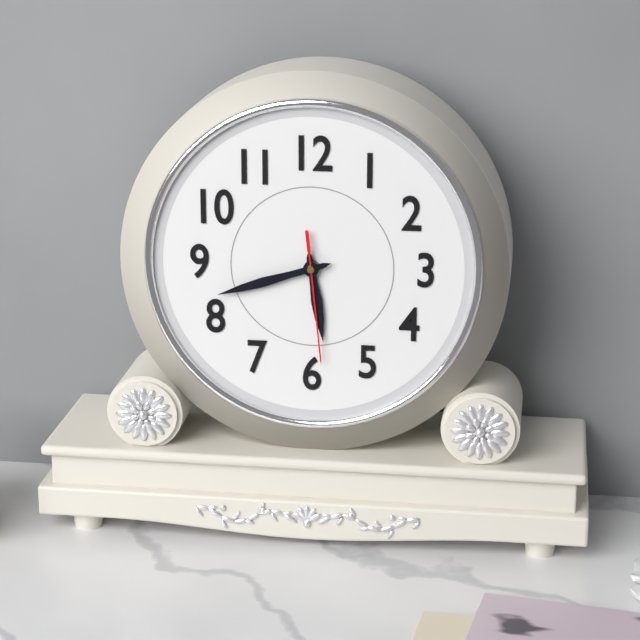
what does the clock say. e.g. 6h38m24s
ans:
5h42m29s
